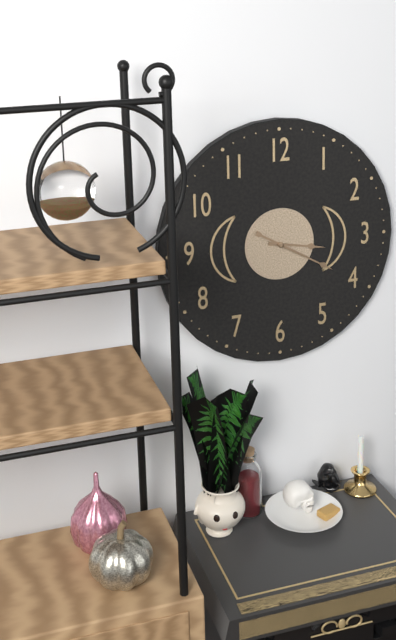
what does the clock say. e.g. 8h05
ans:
3h20
